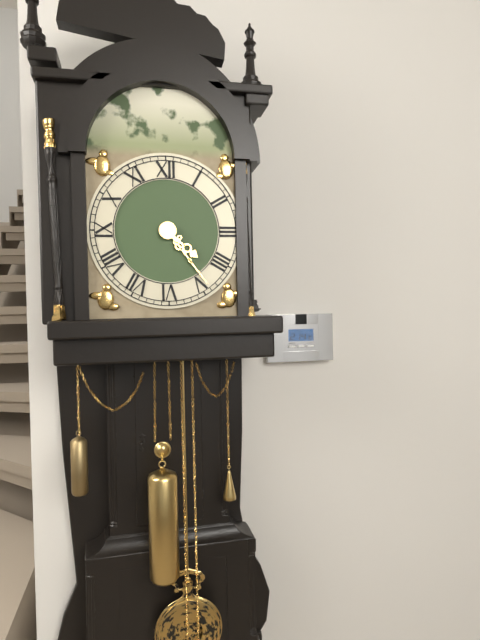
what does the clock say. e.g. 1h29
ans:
4h24
